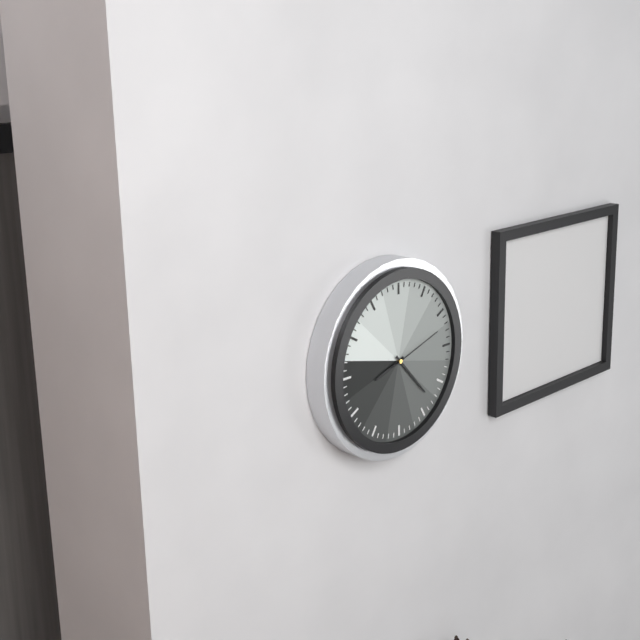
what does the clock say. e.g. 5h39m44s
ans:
8h23m12s
